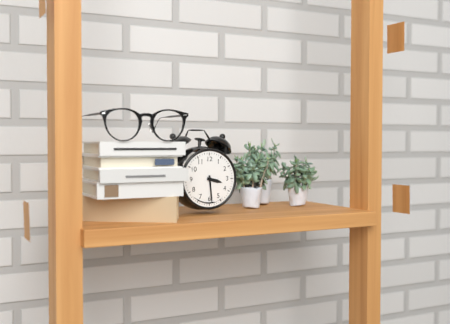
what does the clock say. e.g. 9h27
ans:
3h29
